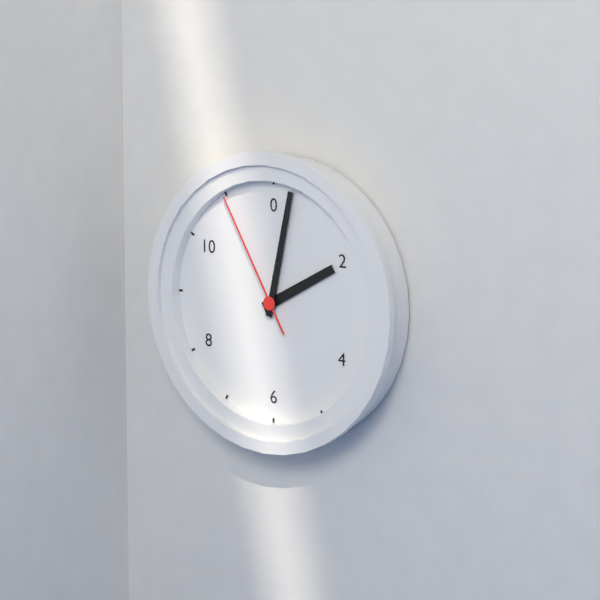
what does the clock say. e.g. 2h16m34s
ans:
2h02m55s
